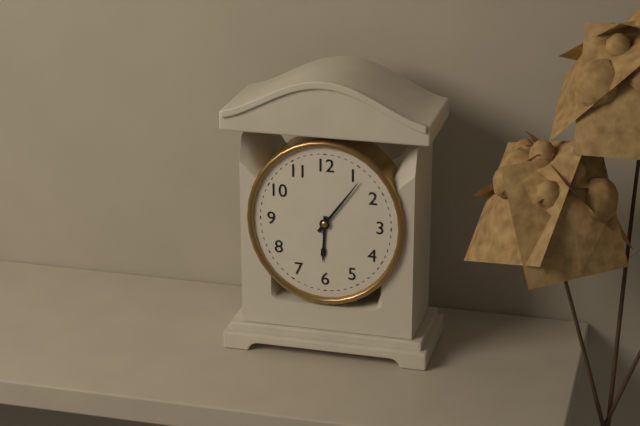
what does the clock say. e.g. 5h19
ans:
6h06
